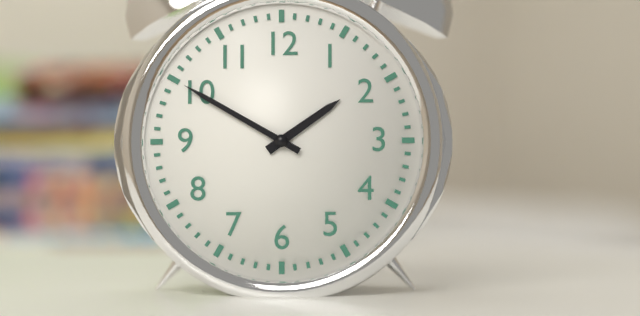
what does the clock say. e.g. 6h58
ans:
1h50
